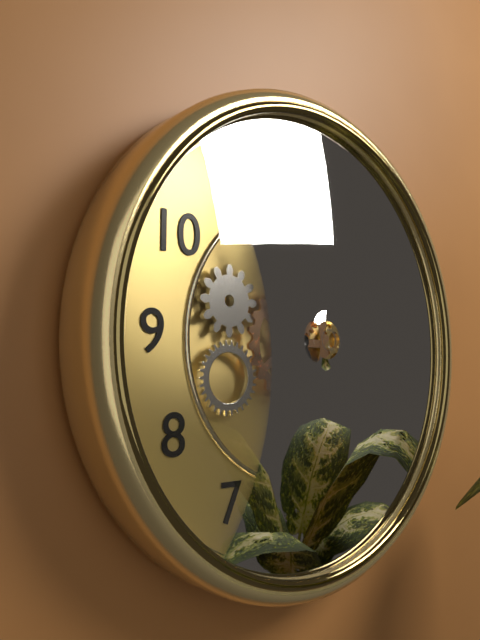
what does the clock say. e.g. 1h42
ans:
4h55
